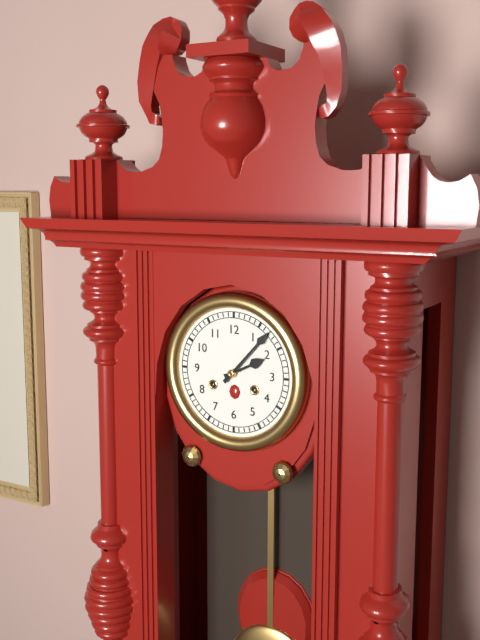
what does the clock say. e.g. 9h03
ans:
2h07
